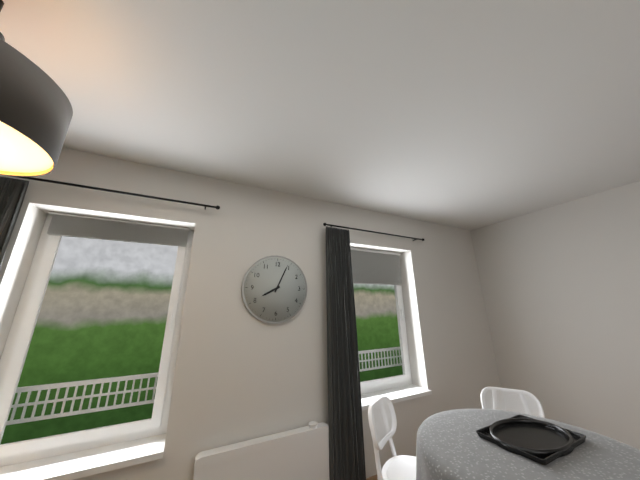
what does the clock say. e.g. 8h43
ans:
8h04
